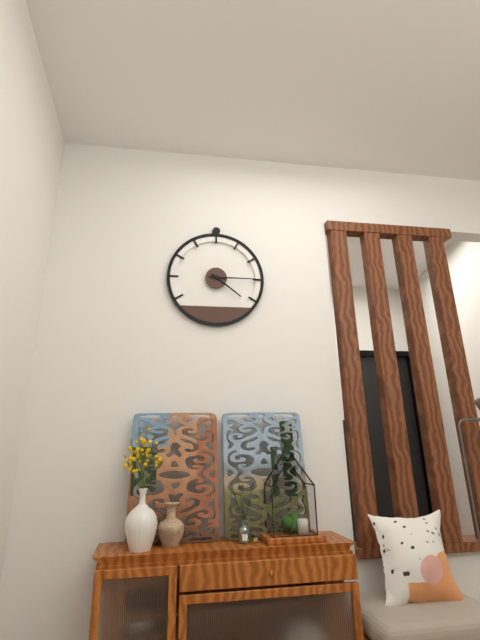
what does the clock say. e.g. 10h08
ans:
4h15
